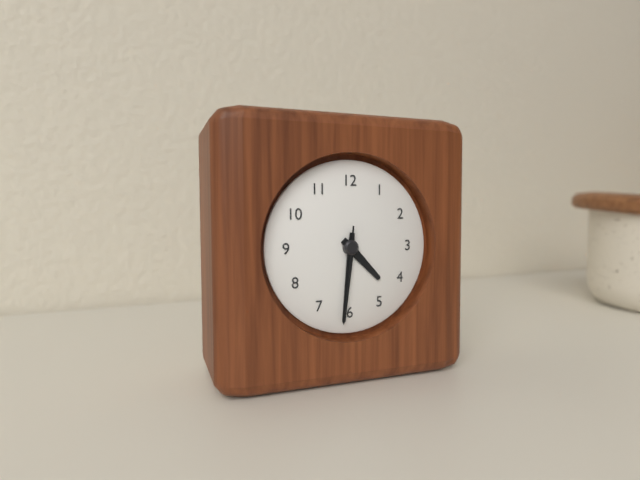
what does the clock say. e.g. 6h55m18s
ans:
4h31m31s
